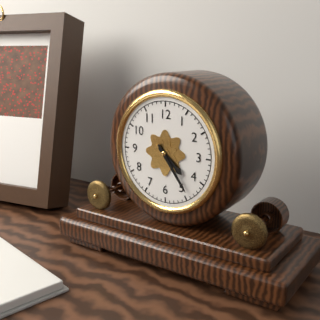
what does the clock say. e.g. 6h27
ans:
4h24
